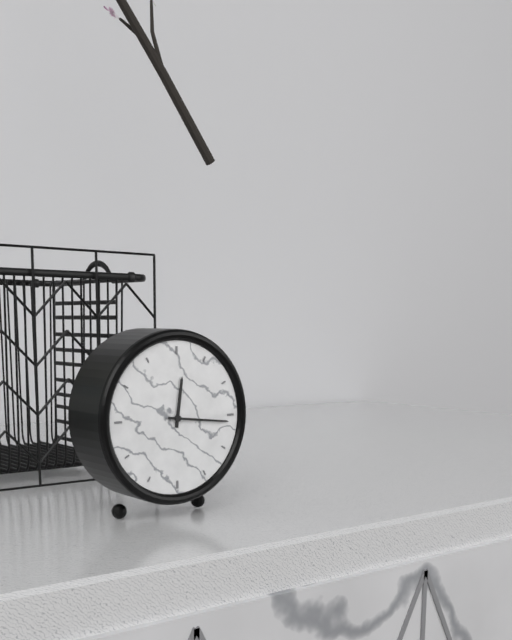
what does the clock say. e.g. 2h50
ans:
12h16
